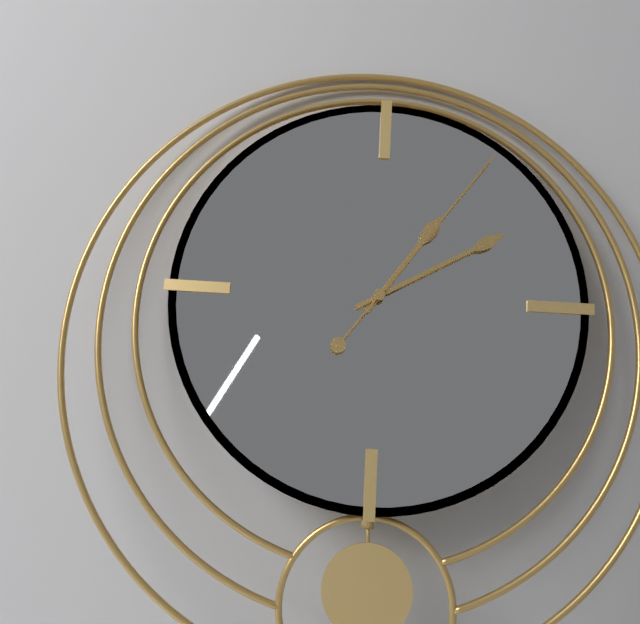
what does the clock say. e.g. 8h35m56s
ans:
1h10m06s
